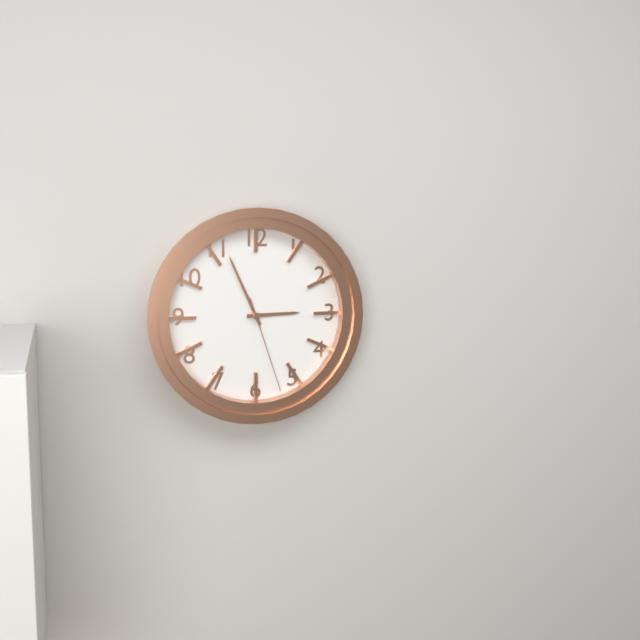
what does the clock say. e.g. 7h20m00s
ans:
2h56m27s
